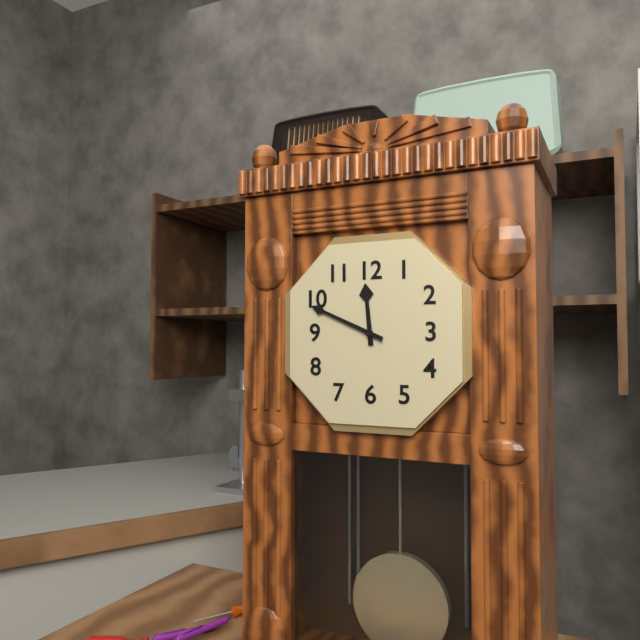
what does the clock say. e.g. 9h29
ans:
11h49
